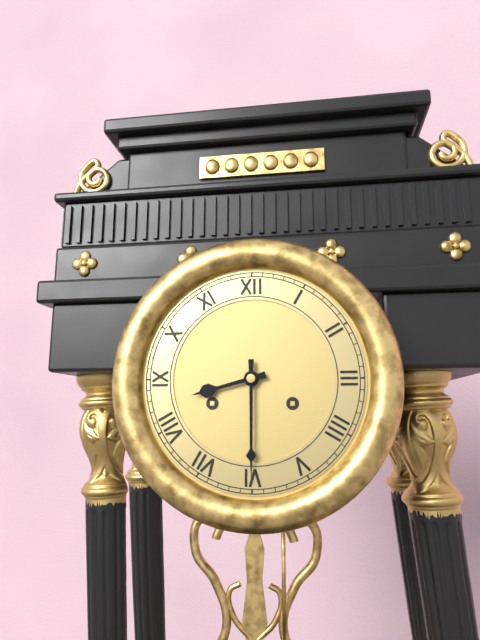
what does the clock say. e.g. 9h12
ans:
8h30
